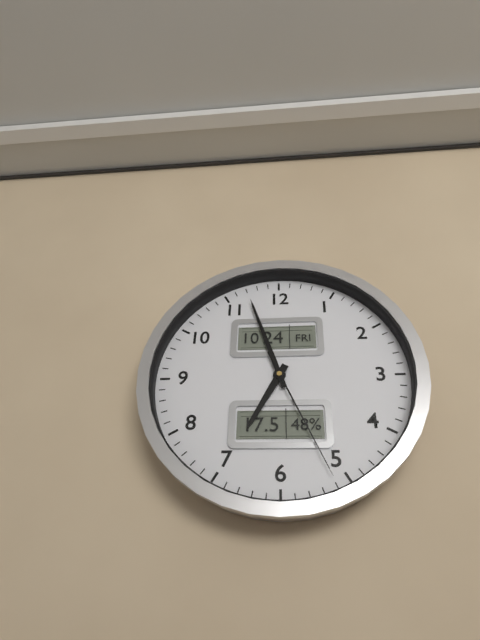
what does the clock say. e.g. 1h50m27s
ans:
6h57m26s
